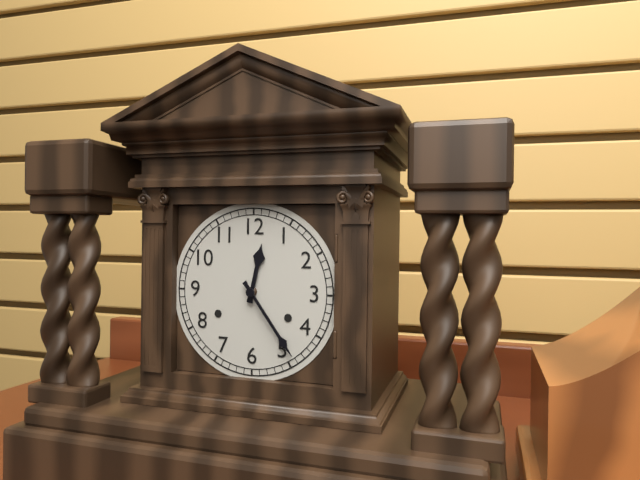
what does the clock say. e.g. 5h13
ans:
12h24
